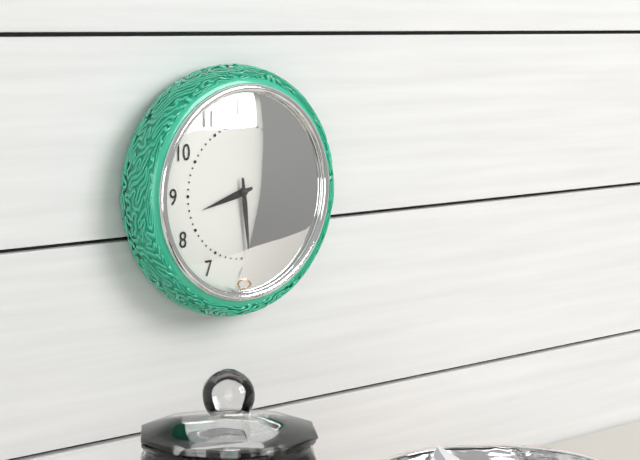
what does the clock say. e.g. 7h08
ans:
8h29
